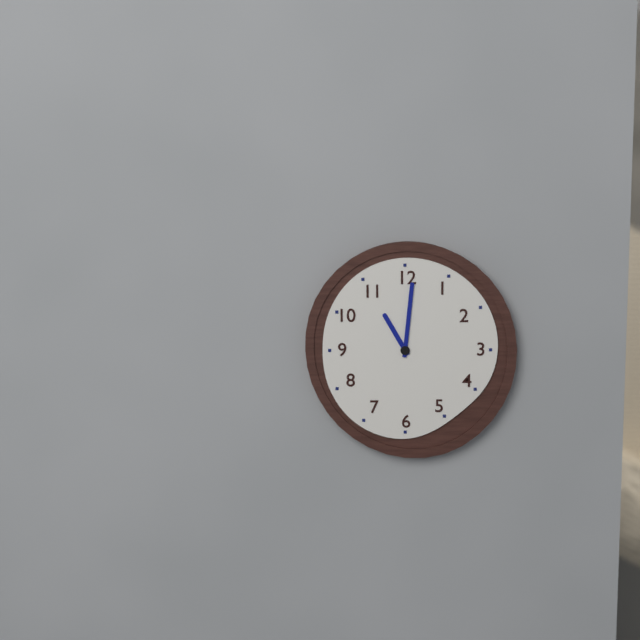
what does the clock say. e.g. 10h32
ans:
11h01
